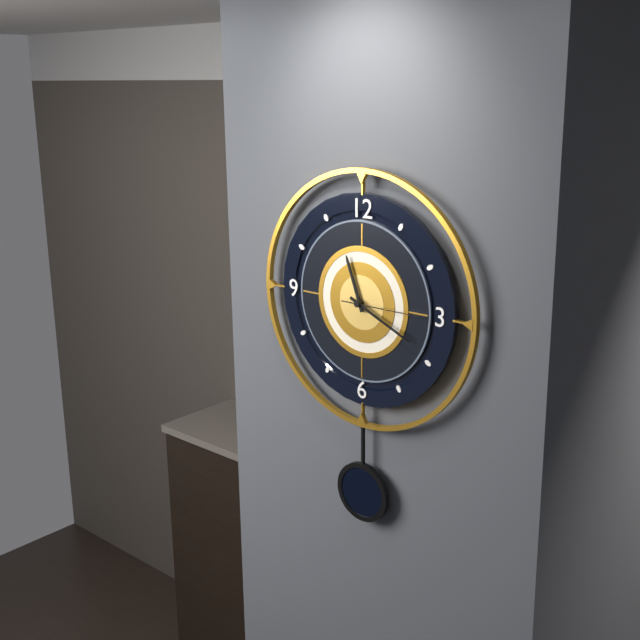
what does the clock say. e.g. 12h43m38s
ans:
11h19m15s
